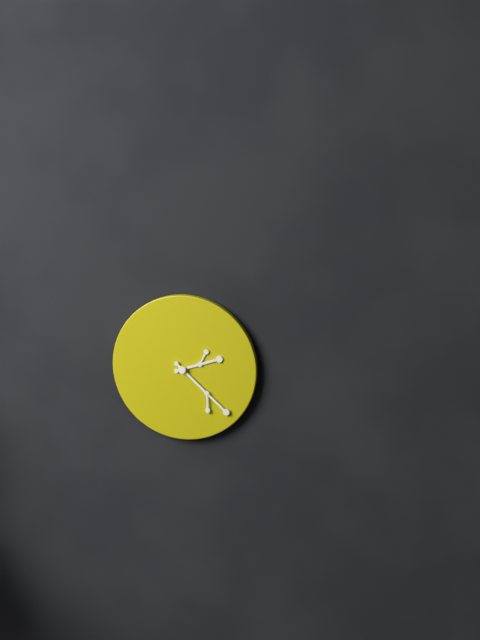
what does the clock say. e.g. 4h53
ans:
2h22
